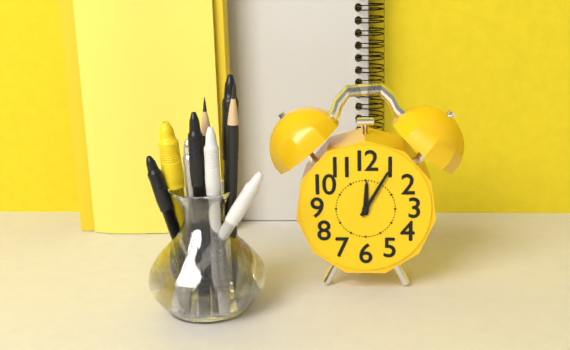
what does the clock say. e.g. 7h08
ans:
12h05
